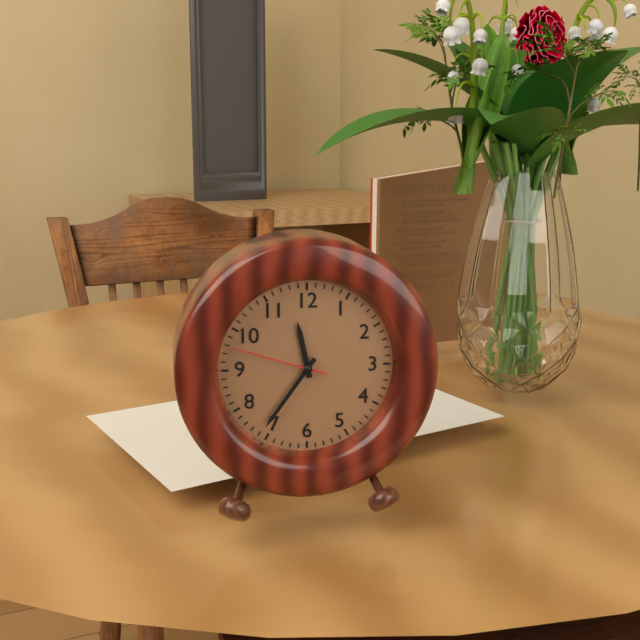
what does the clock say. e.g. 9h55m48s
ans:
11h36m48s
